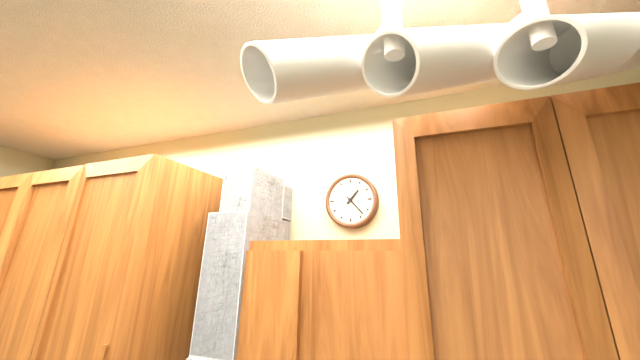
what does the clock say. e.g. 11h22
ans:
1h23
